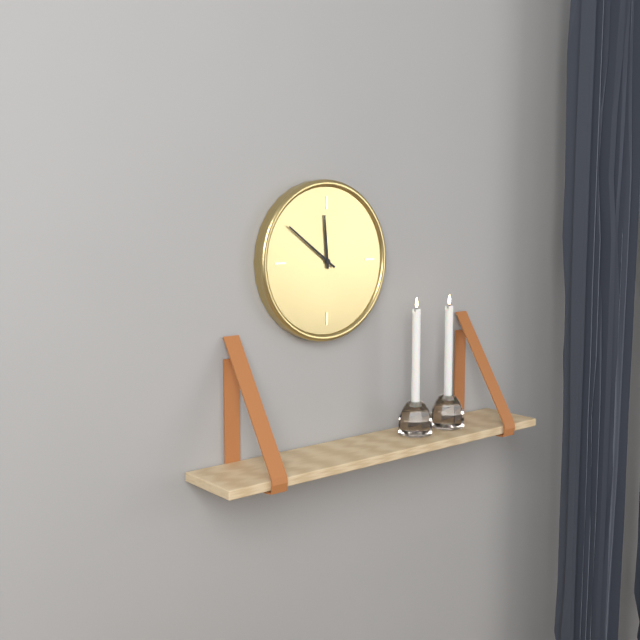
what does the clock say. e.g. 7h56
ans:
11h51
